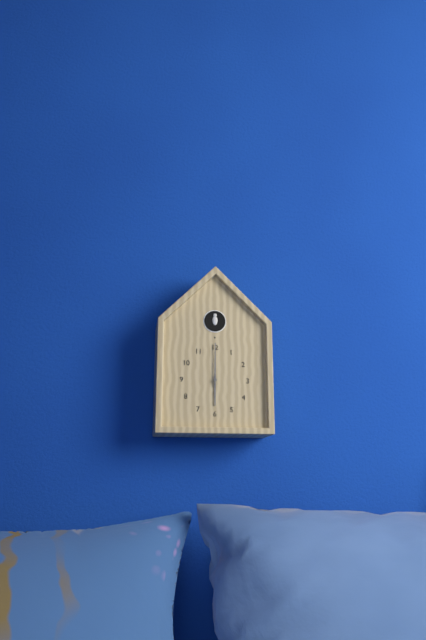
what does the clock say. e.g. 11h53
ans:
6h00
